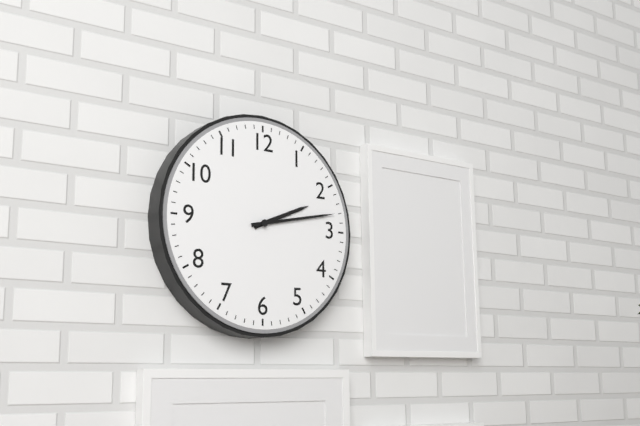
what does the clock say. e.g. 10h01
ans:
2h13
